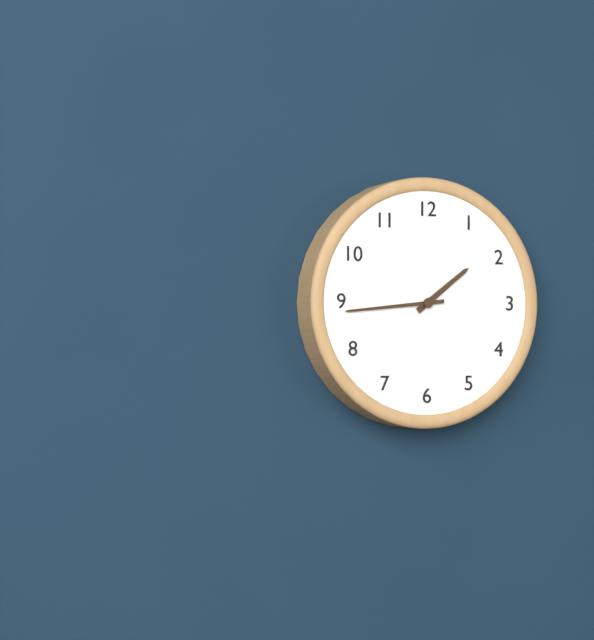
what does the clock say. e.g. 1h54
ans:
1h44
